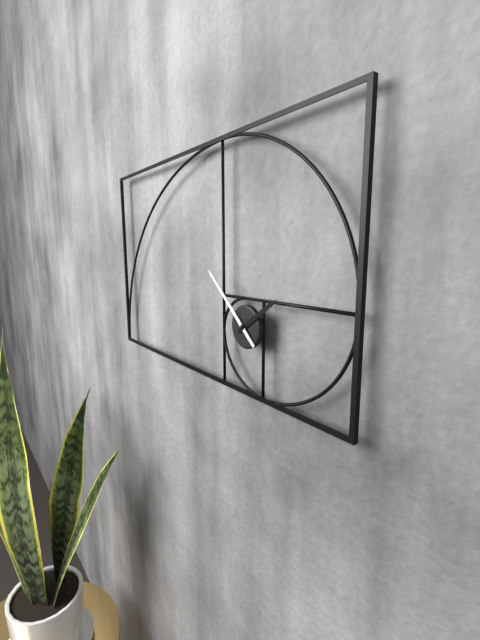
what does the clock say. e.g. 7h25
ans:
1h52
